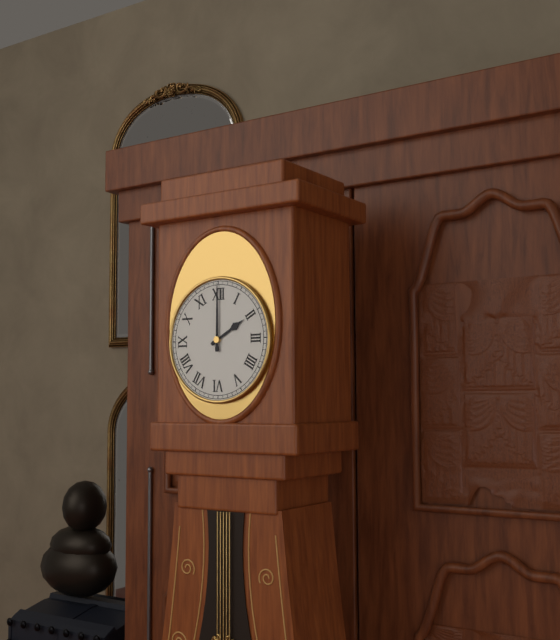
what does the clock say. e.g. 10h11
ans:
2h00
